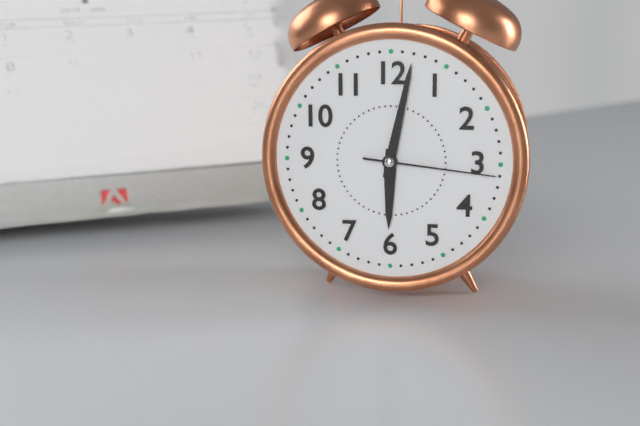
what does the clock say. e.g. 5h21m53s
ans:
6h02m16s
